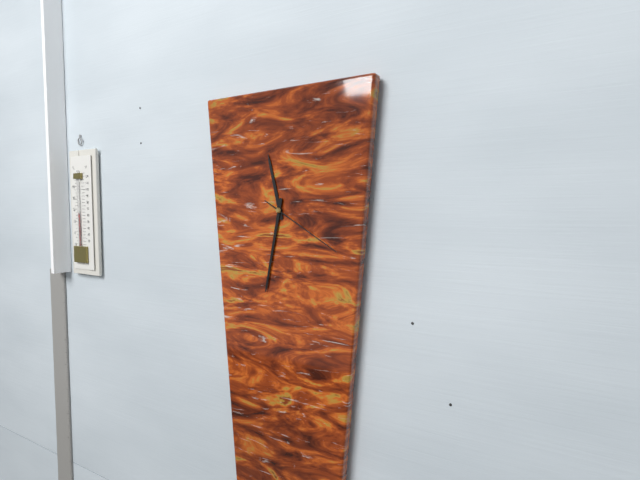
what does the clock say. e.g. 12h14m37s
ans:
11h32m20s
